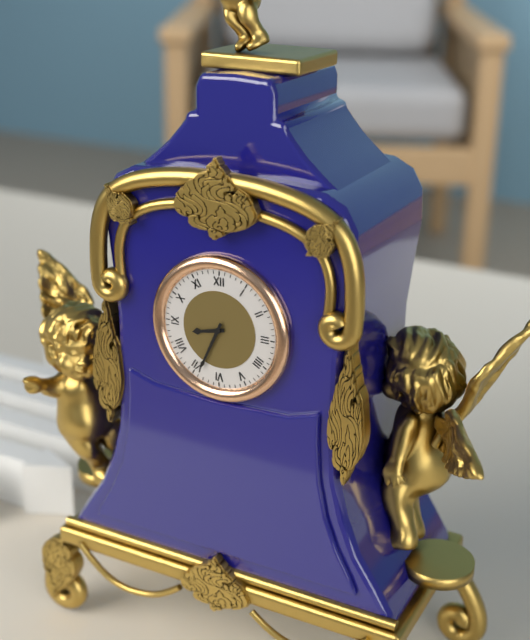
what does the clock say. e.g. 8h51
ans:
8h34
